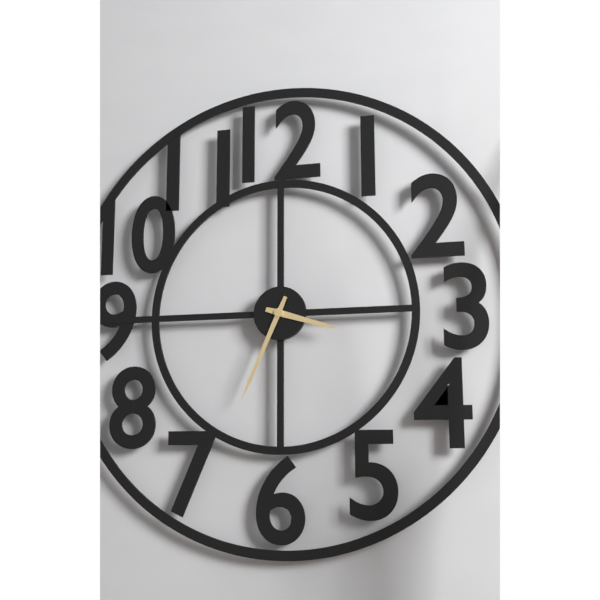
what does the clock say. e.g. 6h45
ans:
3h34
